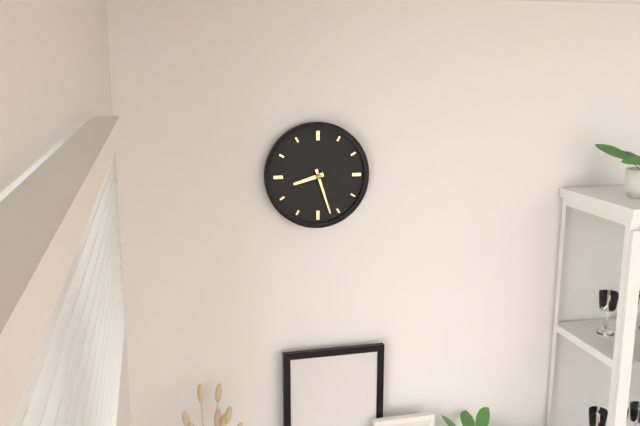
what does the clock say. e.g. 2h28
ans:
8h27
